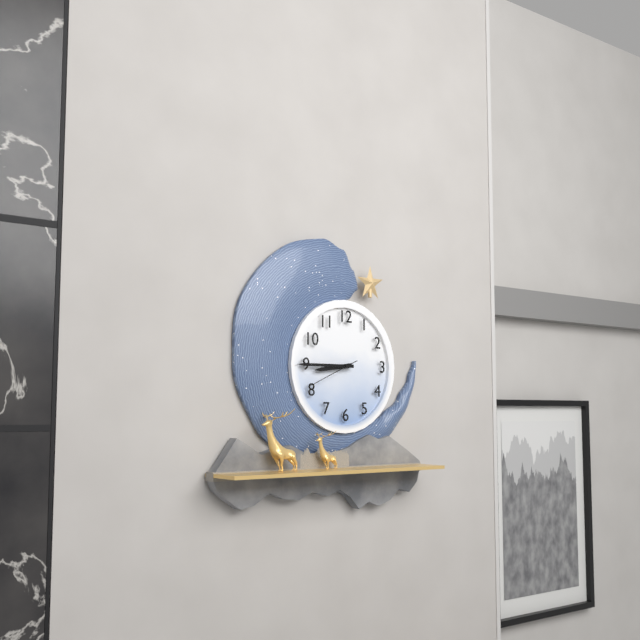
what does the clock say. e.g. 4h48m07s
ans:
8h45m41s
